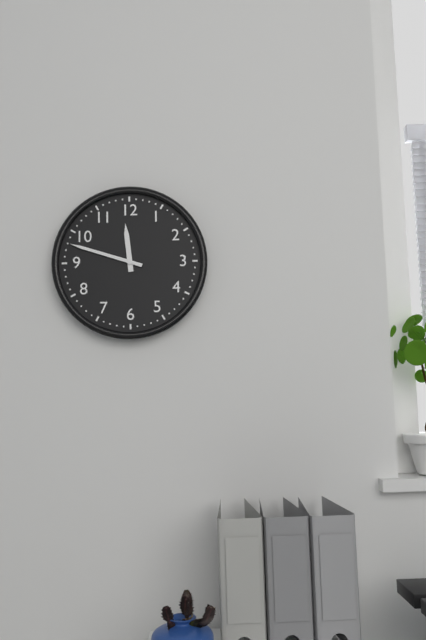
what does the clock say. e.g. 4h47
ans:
11h48
